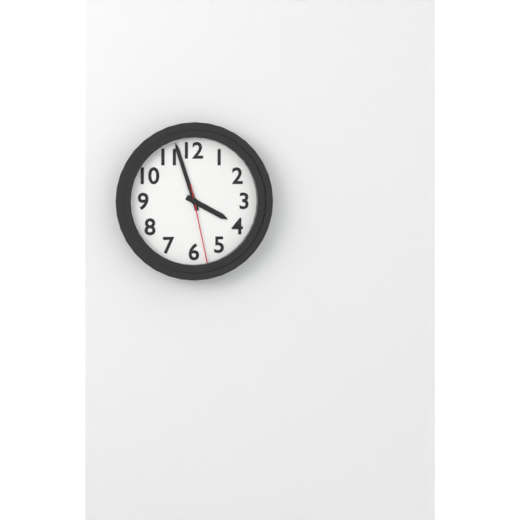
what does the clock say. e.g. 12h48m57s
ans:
3h57m28s
